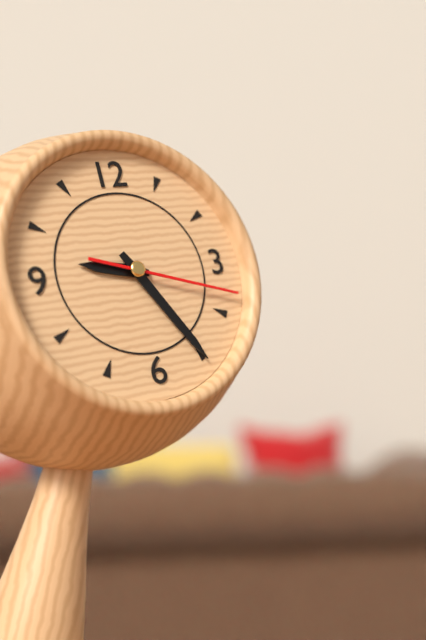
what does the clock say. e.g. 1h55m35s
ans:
9h25m18s
